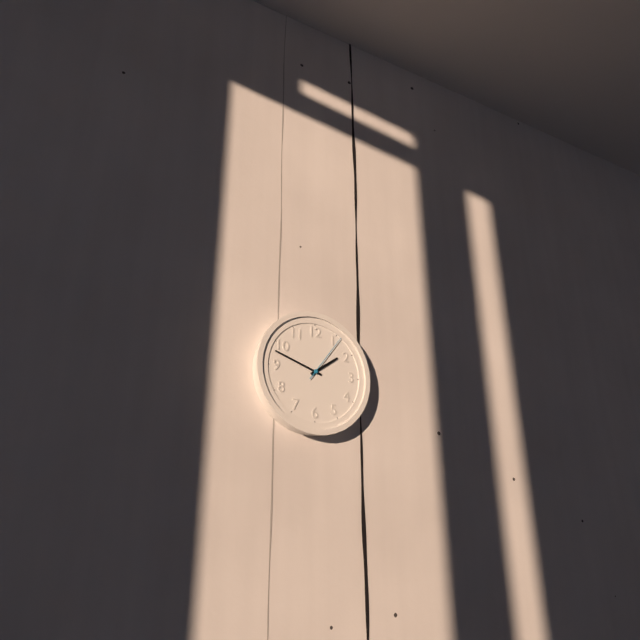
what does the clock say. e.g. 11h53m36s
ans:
1h48m06s
